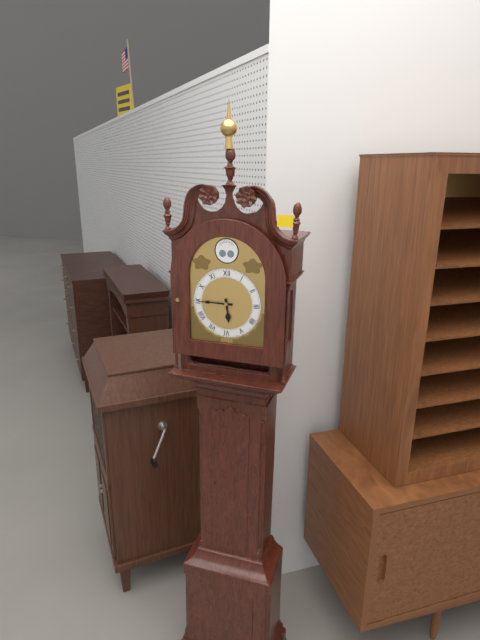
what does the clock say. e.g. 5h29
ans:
5h45
